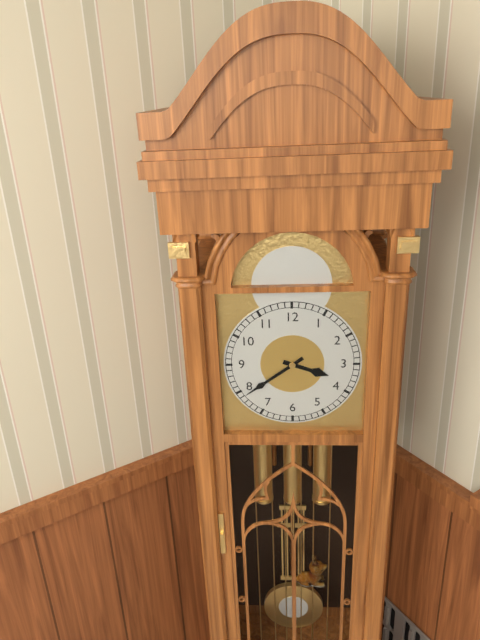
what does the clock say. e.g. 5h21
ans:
3h39
